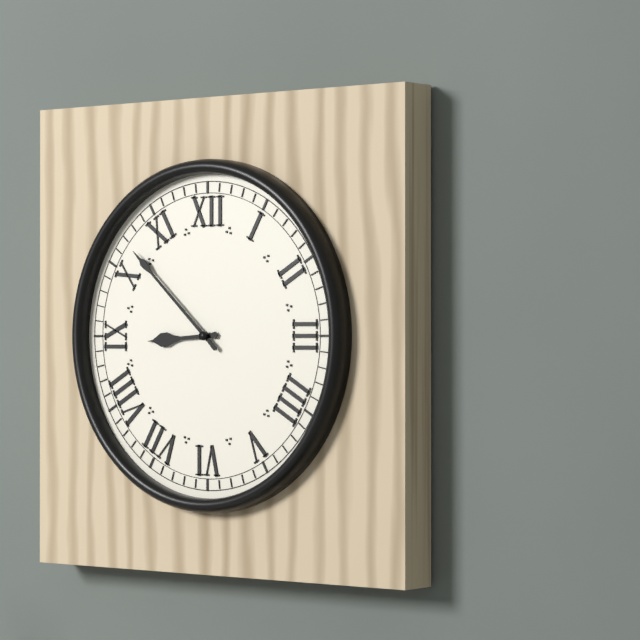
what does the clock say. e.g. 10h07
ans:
8h52
